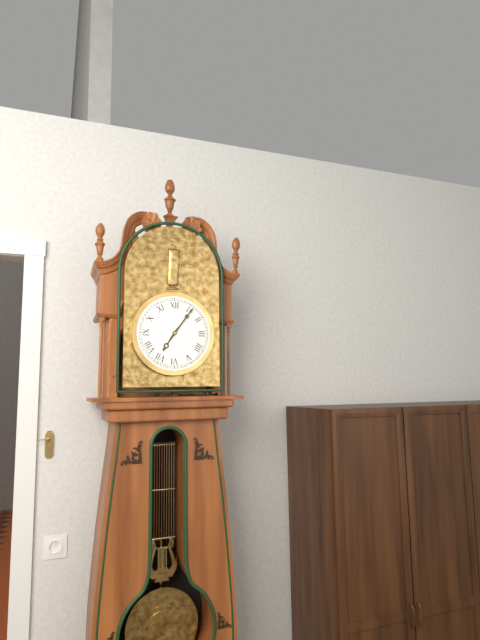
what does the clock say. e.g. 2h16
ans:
7h06
